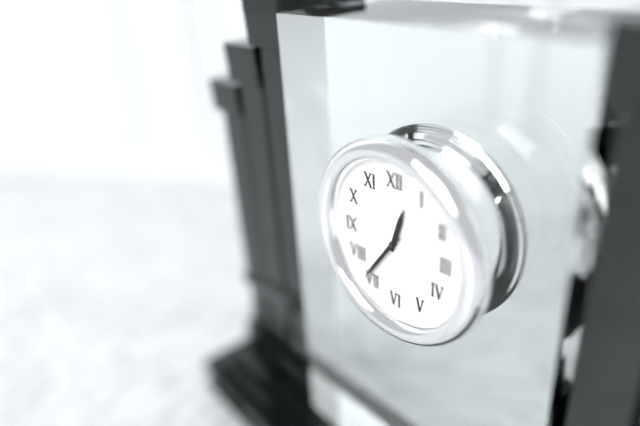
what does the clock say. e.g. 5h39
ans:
12h36
